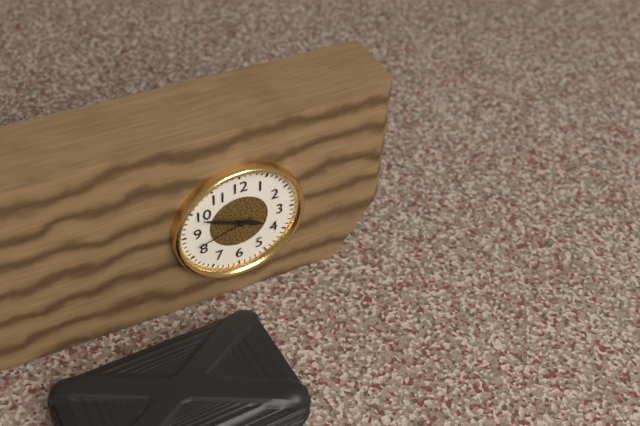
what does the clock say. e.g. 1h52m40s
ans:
3h49m42s
